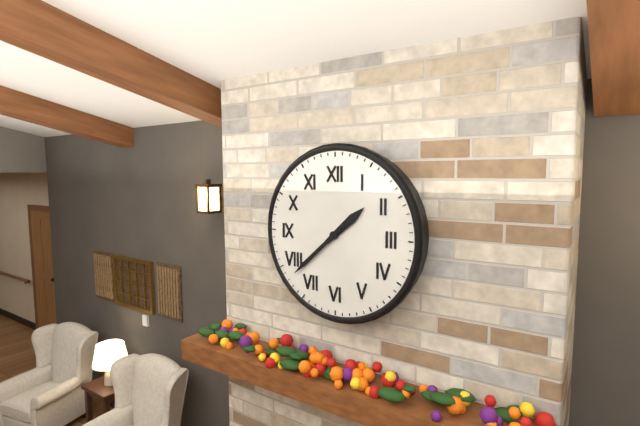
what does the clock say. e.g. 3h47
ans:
1h38
